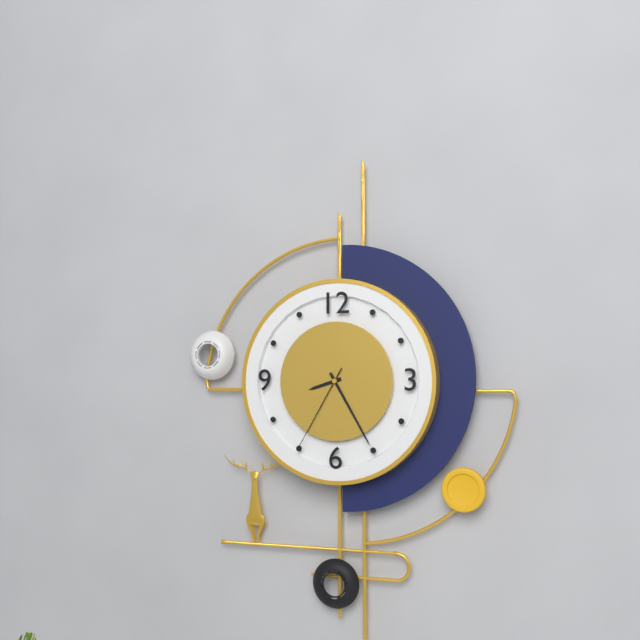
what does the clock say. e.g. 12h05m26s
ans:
8h25m35s
